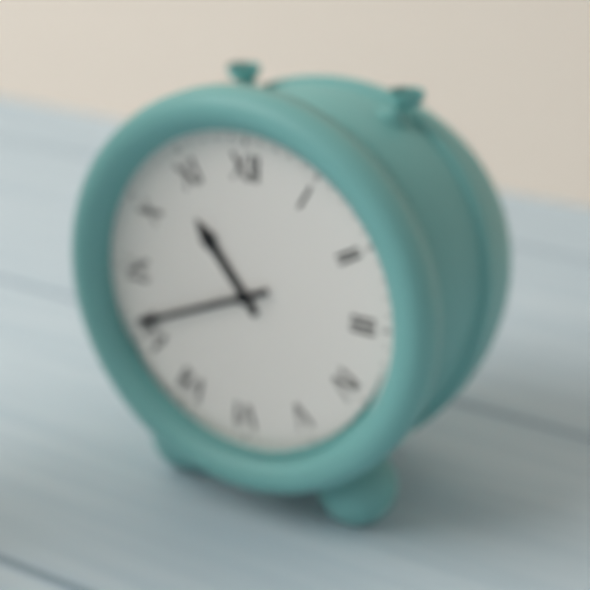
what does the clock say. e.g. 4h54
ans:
10h41
